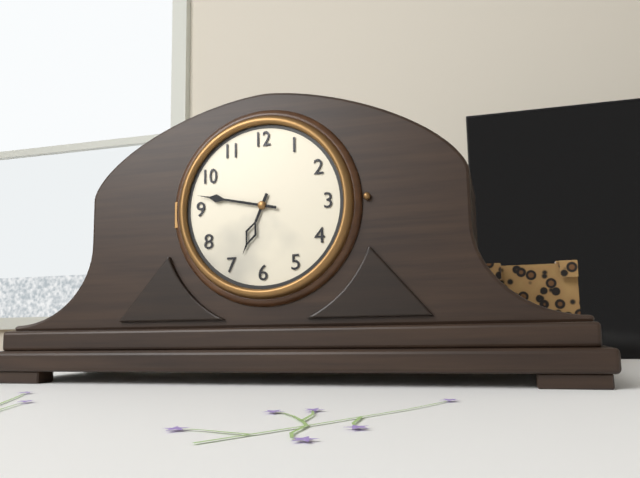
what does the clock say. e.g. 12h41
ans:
6h47
